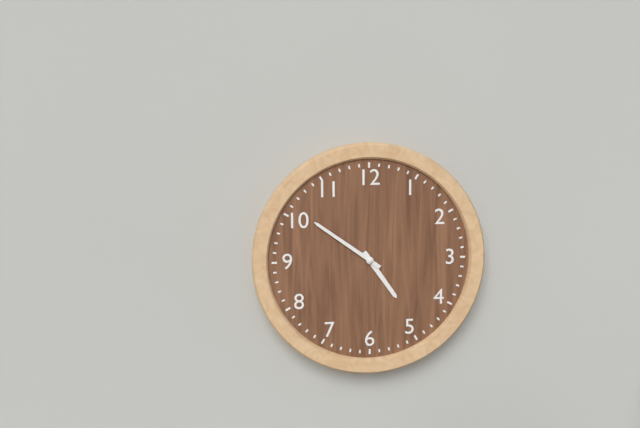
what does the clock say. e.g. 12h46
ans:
4h51
